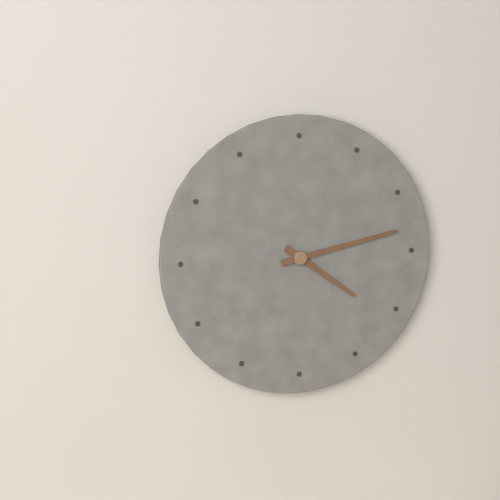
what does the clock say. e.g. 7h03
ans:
4h13
